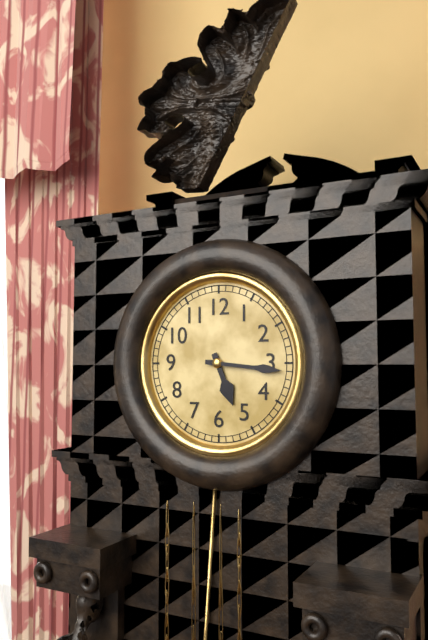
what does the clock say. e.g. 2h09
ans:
5h16
